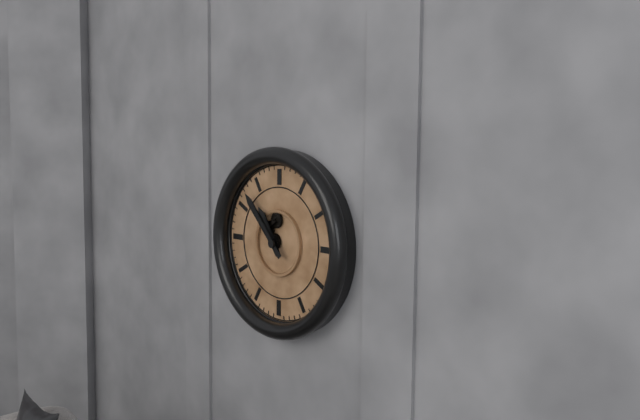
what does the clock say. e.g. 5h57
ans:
10h53
